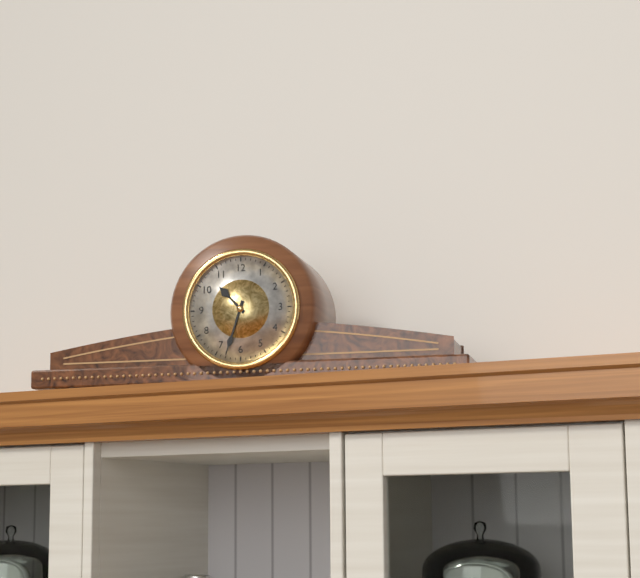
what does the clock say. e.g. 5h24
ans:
10h33
